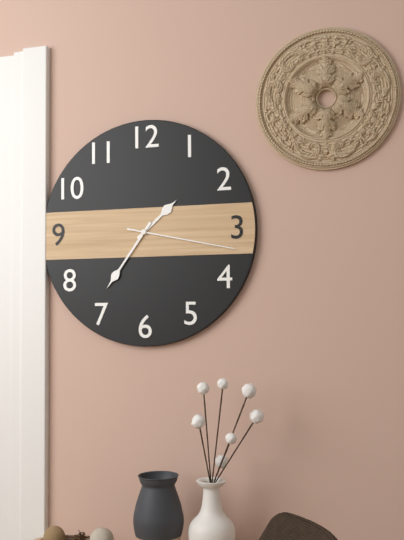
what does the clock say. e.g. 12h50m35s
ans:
1h36m17s
